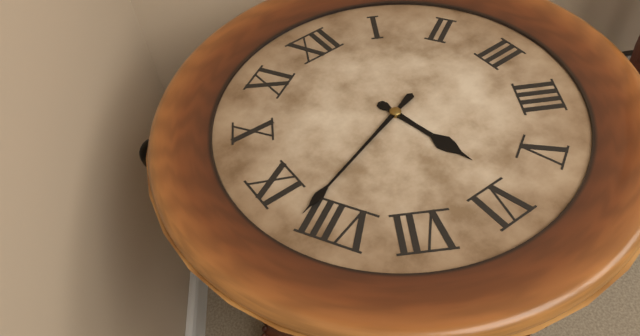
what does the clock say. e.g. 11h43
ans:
5h42
